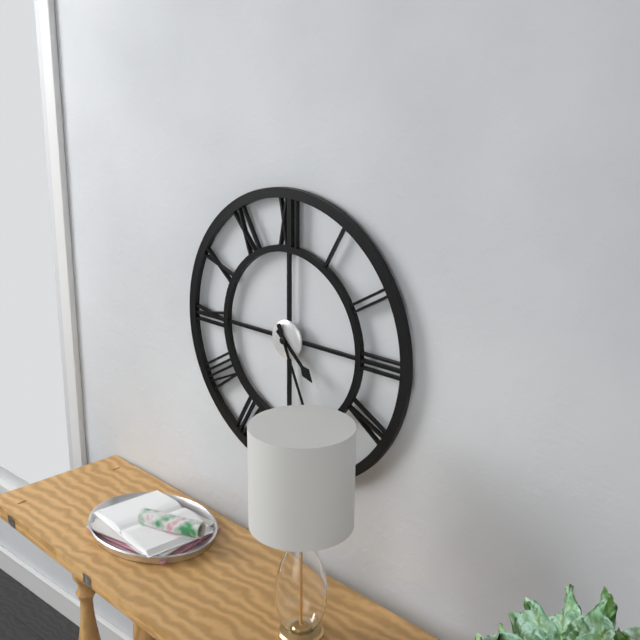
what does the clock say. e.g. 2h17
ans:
4h26
